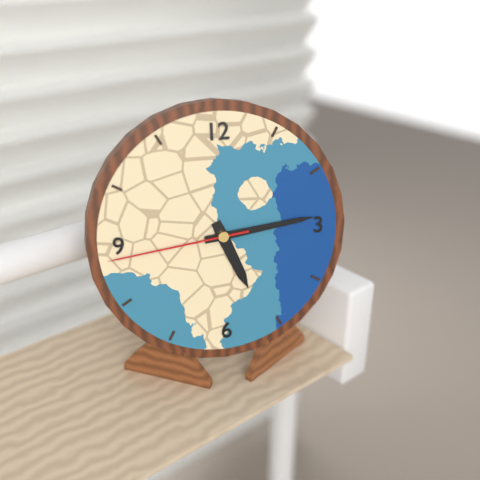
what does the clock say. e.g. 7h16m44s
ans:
5h14m44s
